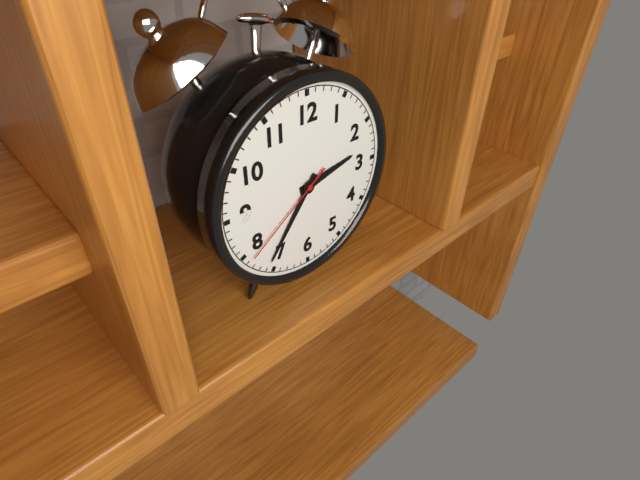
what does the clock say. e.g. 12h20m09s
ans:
2h36m39s
